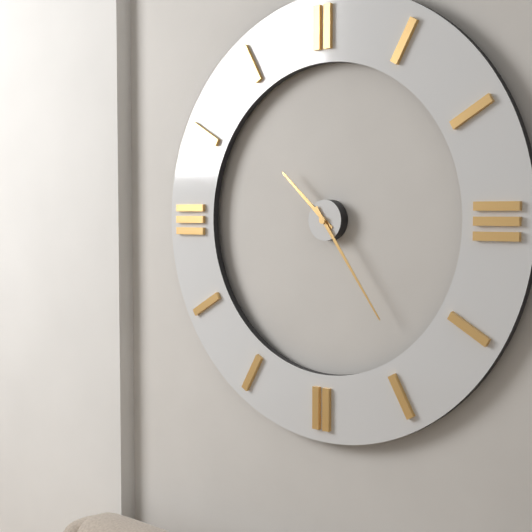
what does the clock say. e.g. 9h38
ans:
10h24
